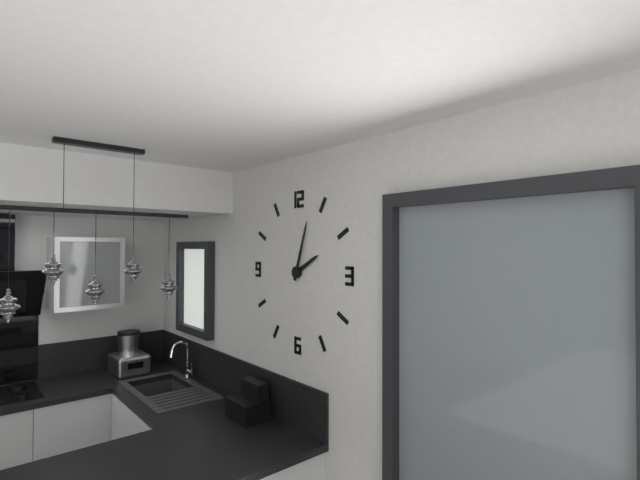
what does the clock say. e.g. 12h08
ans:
2h03
